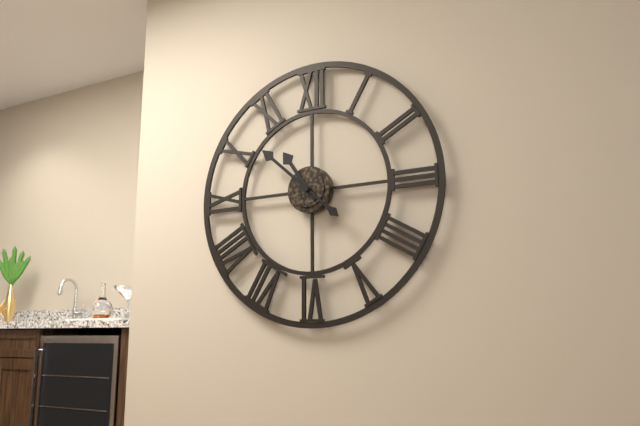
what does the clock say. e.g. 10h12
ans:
10h52
